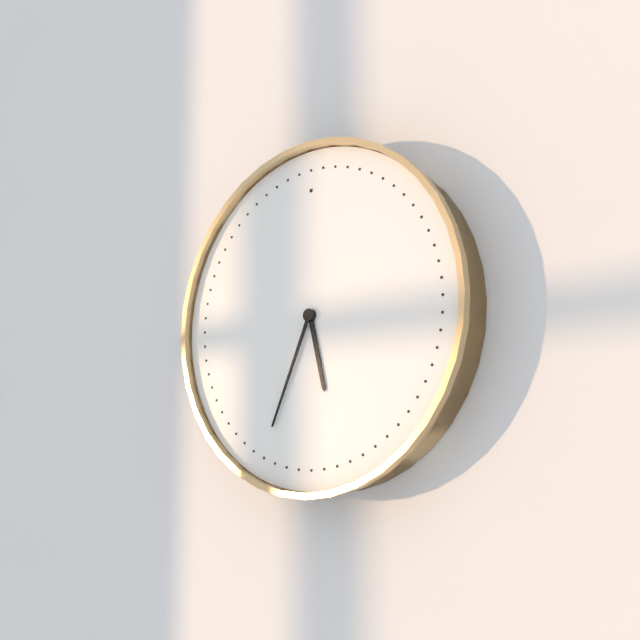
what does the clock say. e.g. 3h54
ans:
5h34
